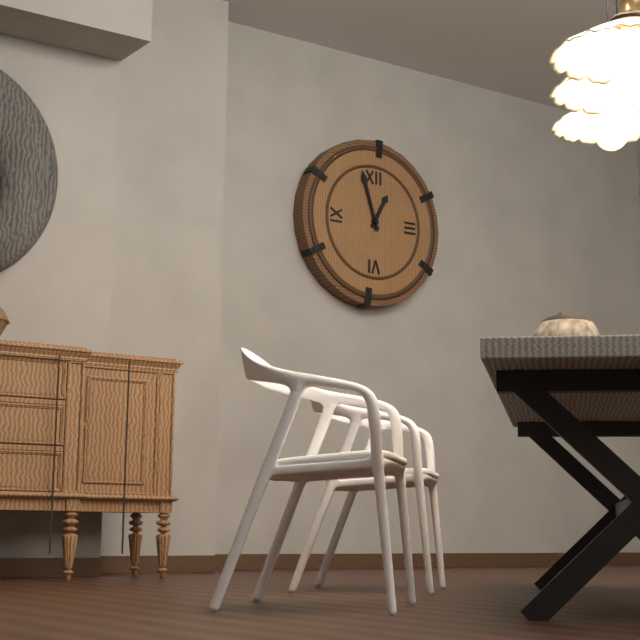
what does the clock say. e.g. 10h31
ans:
12h57
